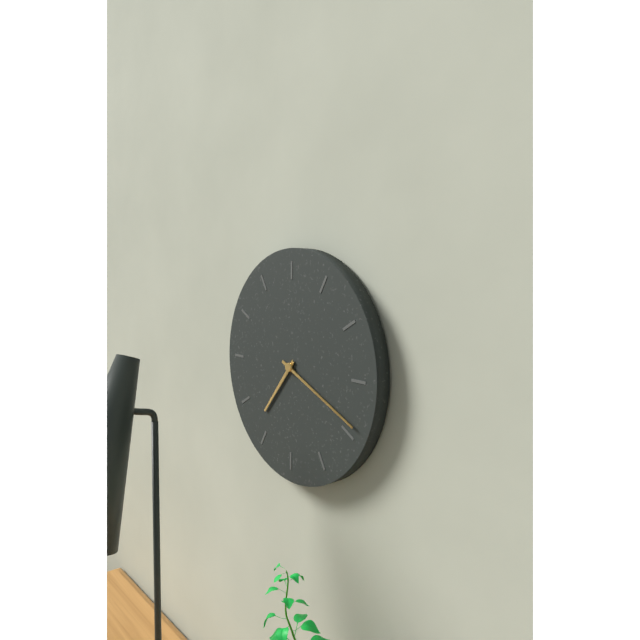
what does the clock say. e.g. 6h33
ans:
7h19
